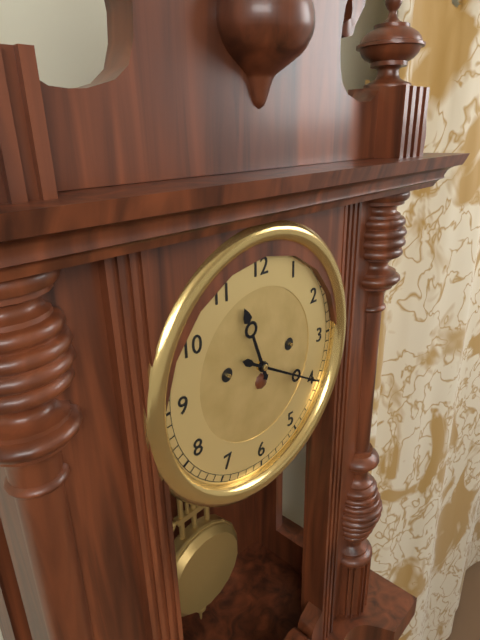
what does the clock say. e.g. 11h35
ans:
11h20
